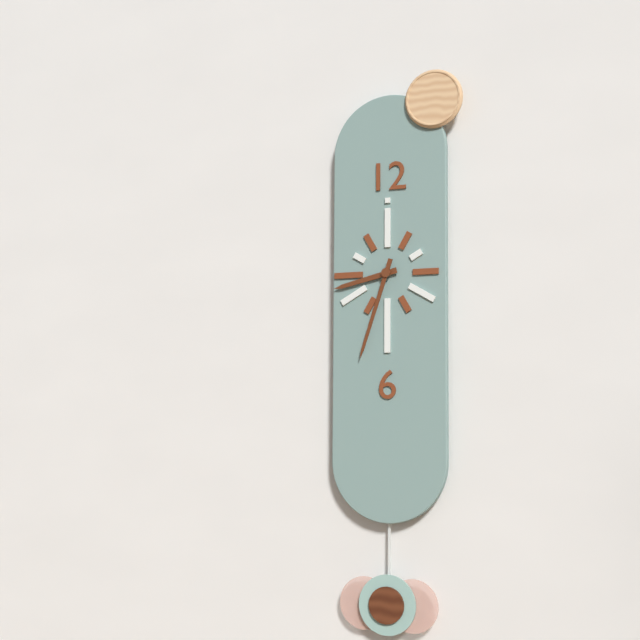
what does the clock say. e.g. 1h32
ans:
8h33
